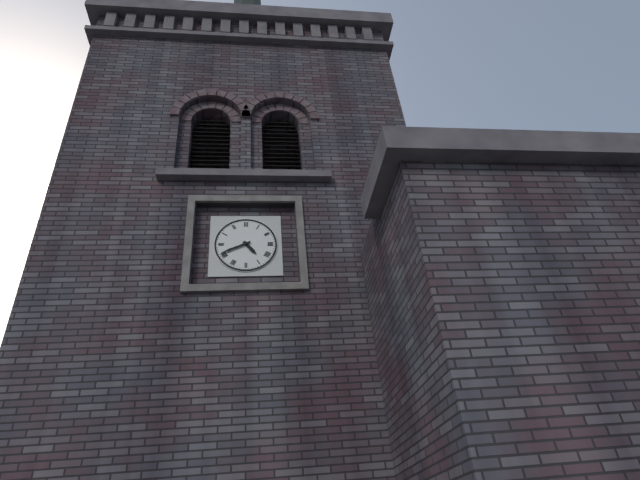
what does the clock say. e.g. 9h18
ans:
4h41
